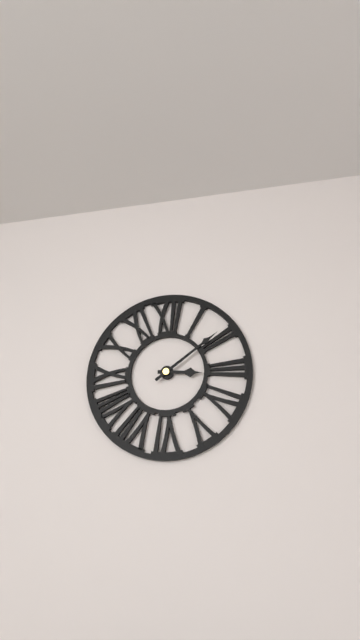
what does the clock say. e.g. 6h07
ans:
3h09
